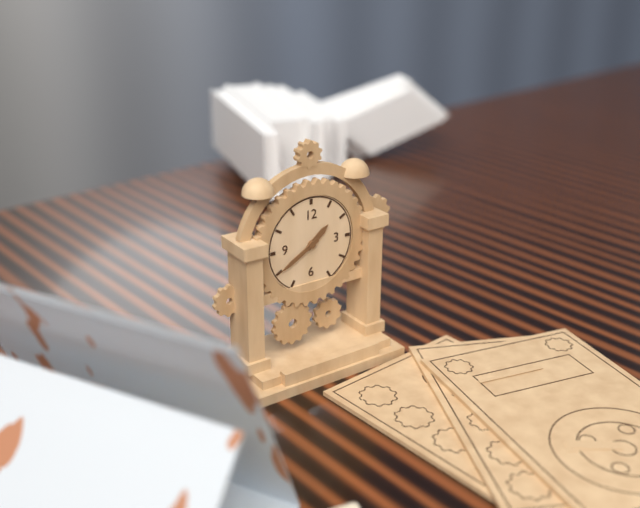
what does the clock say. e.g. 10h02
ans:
1h40
